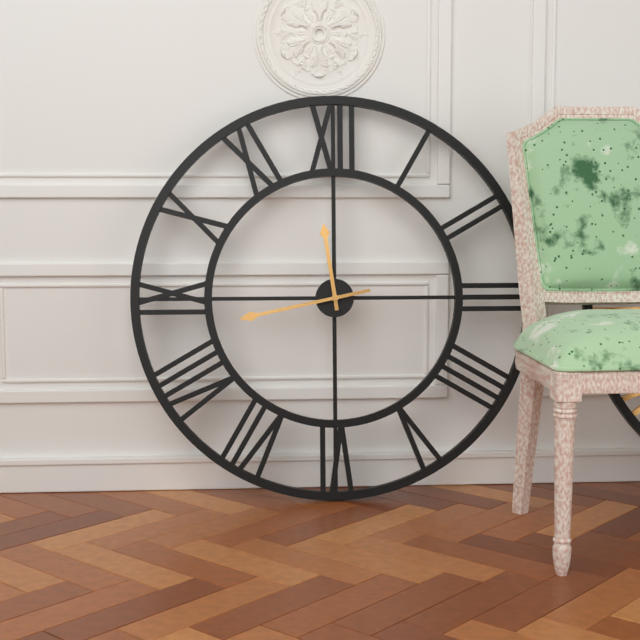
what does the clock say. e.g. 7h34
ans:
11h43
